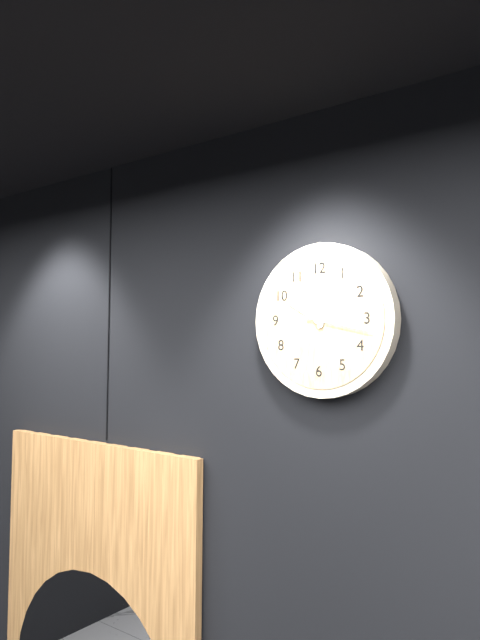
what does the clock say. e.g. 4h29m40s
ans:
9h57m17s
